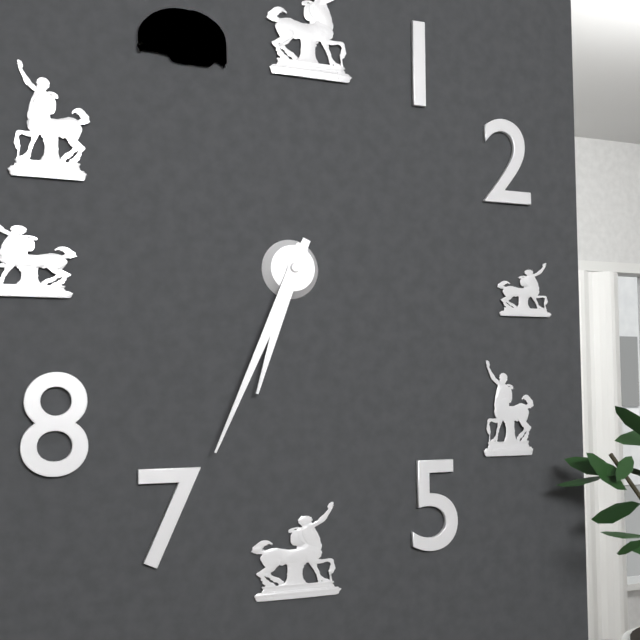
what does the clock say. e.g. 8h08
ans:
6h34
